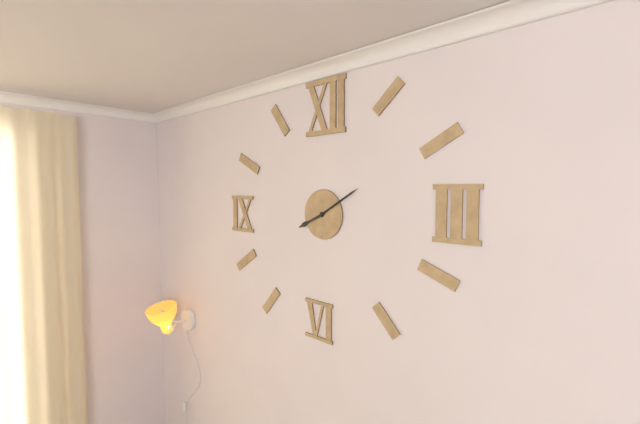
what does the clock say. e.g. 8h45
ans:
8h10
